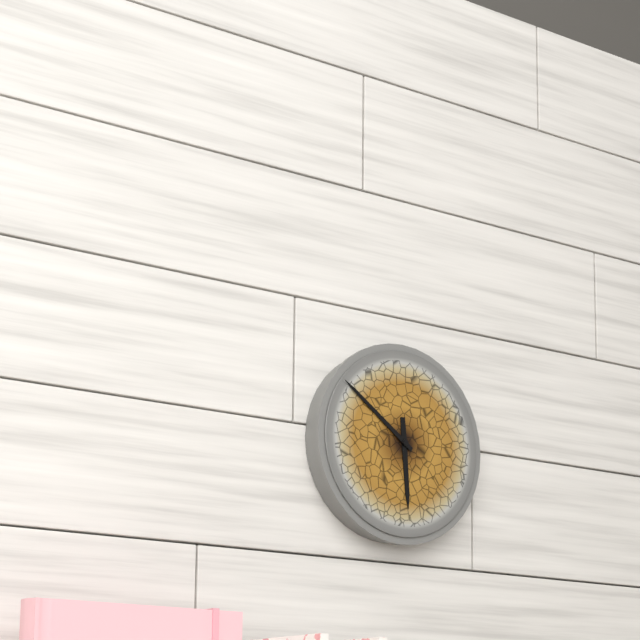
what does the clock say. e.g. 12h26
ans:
5h51
